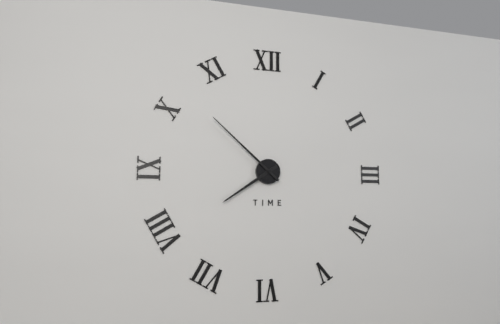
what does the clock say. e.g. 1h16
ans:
7h52
